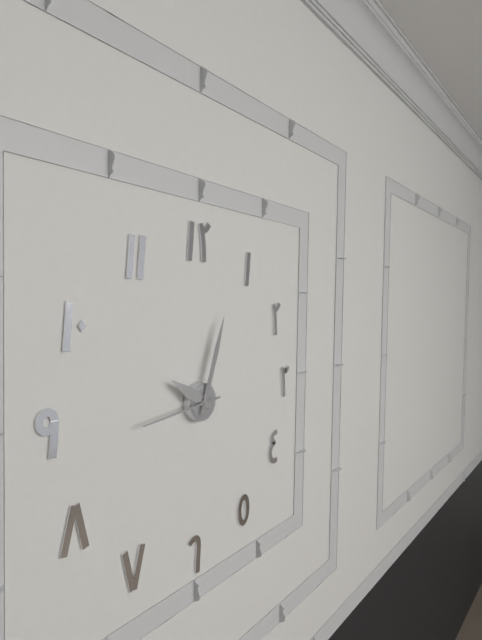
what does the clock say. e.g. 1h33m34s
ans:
10h03m44s
